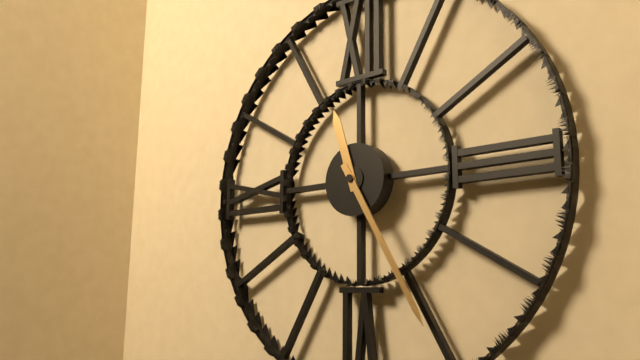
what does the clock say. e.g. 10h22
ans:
11h25
